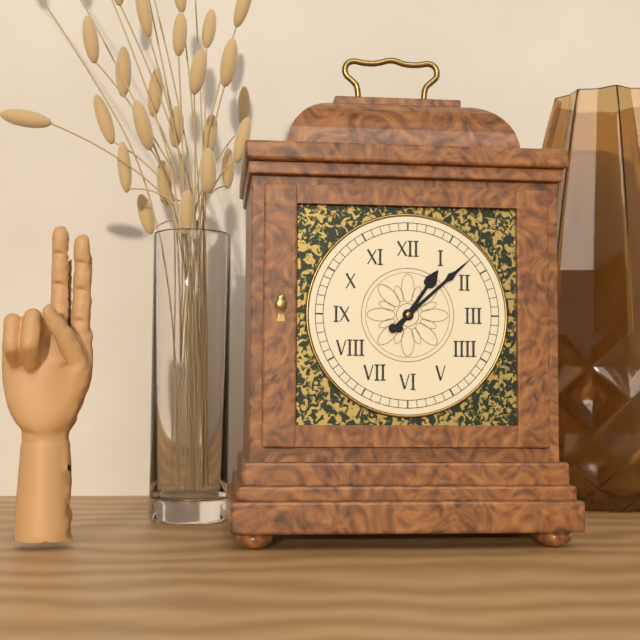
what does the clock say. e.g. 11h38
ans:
1h08
